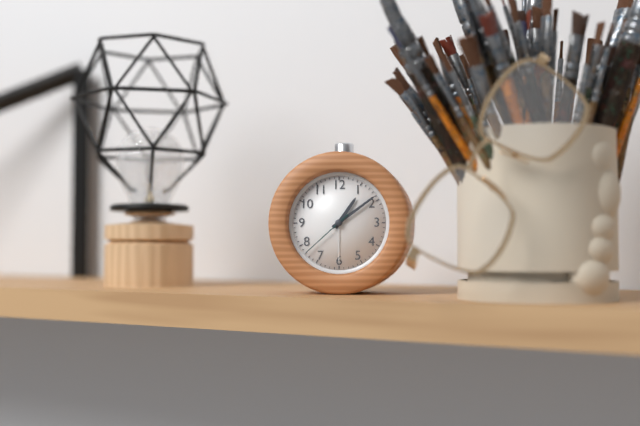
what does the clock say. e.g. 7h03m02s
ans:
1h09m38s
